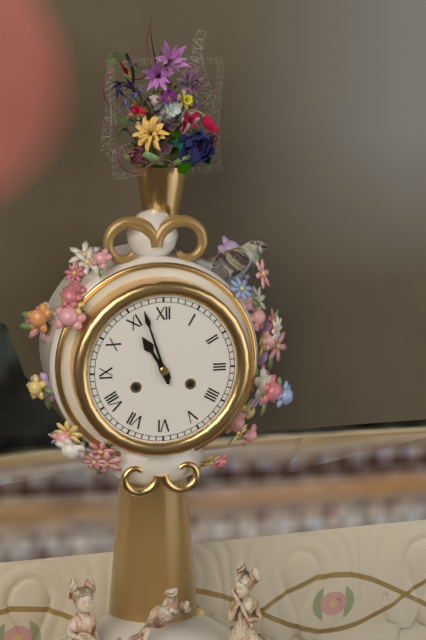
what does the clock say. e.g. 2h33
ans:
10h57
